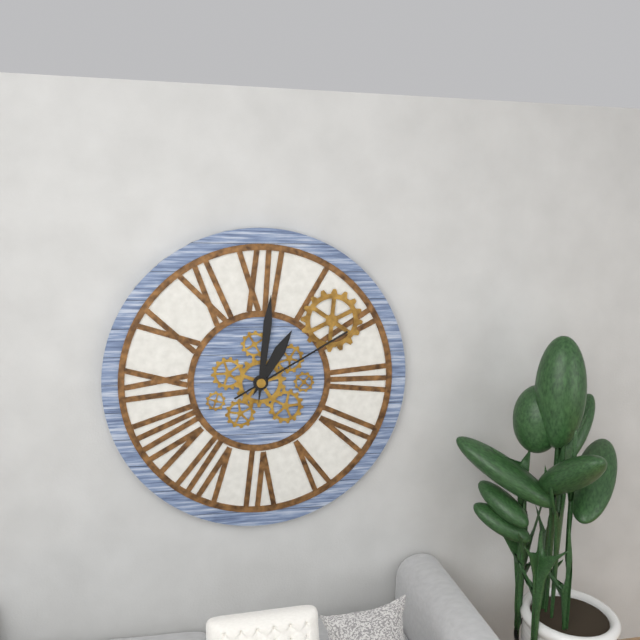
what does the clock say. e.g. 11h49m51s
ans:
1h01m10s
